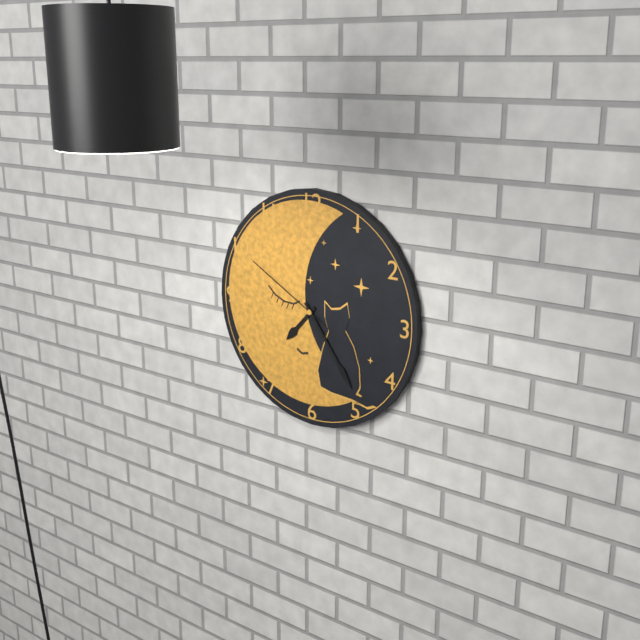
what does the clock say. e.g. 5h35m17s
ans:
7h24m50s
